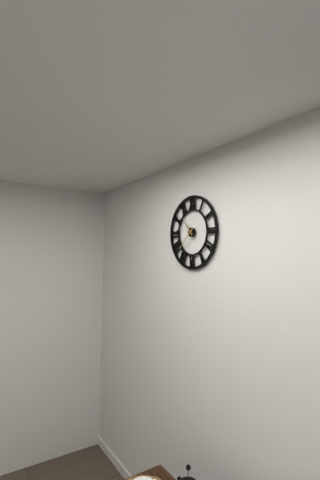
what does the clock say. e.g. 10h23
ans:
10h38
